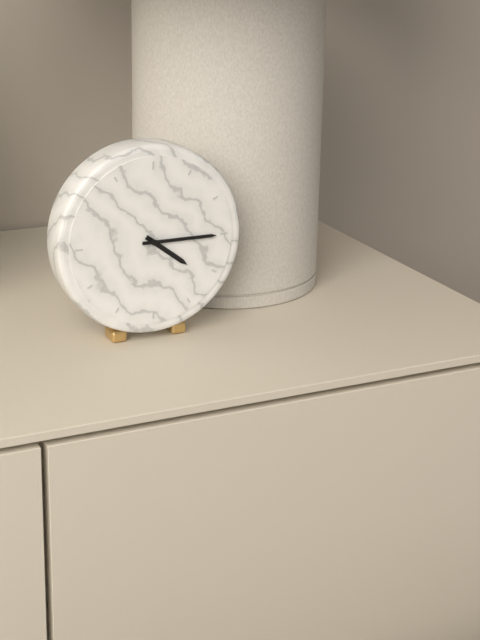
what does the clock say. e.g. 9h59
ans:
4h15
